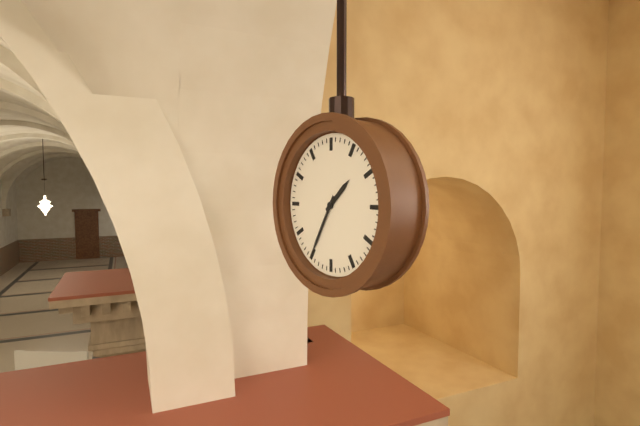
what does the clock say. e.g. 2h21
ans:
1h35
